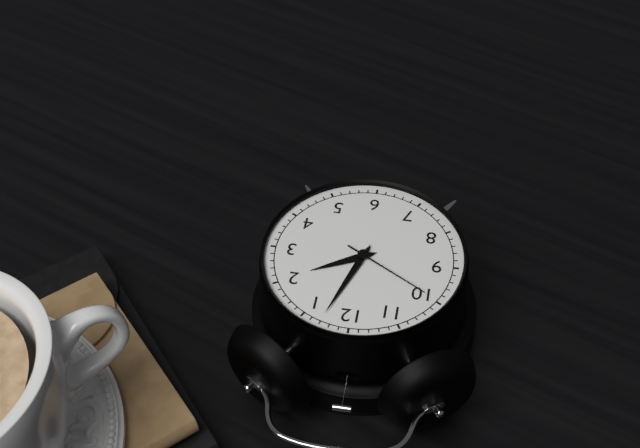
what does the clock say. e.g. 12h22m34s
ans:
2h03m50s
